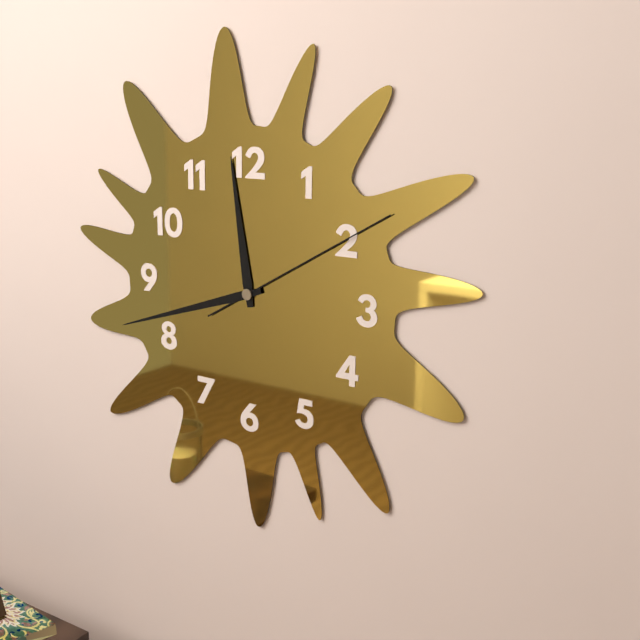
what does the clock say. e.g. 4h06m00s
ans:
11h42m10s
